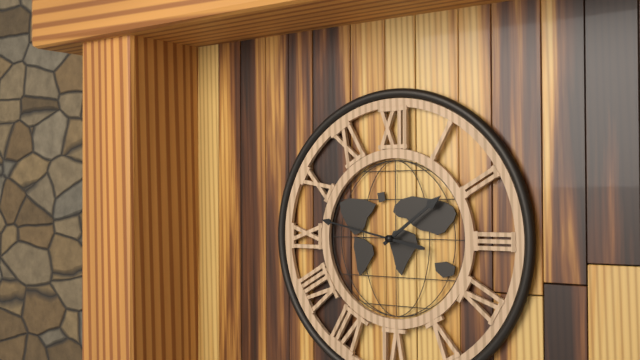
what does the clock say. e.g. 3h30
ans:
1h47
